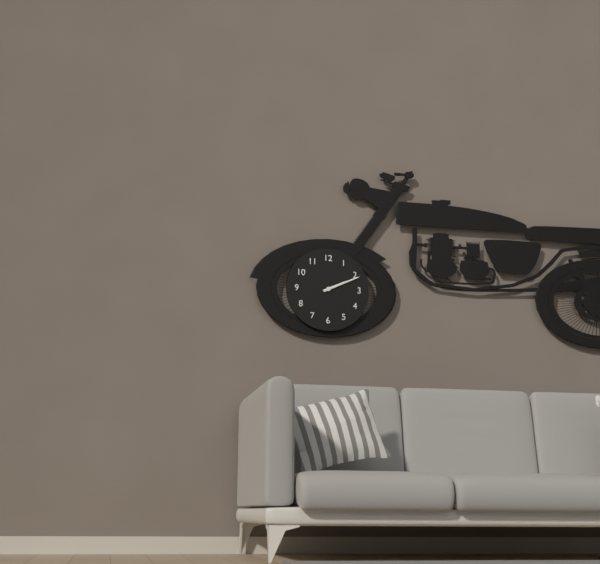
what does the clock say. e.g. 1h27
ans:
2h11
